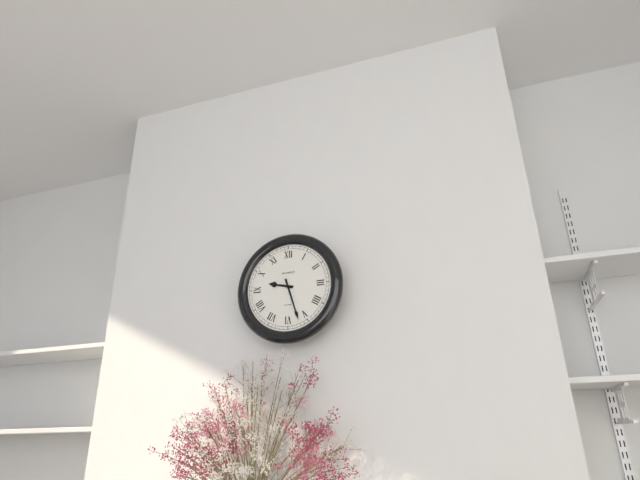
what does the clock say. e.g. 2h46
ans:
9h27
